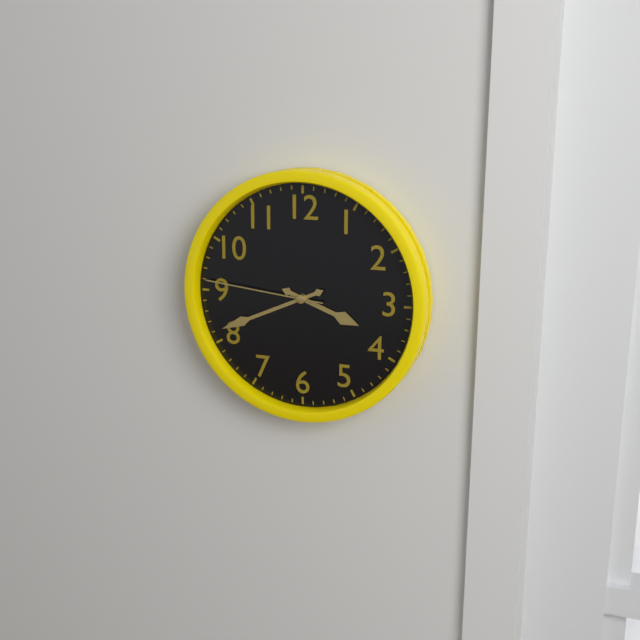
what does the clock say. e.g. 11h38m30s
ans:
3h41m46s
